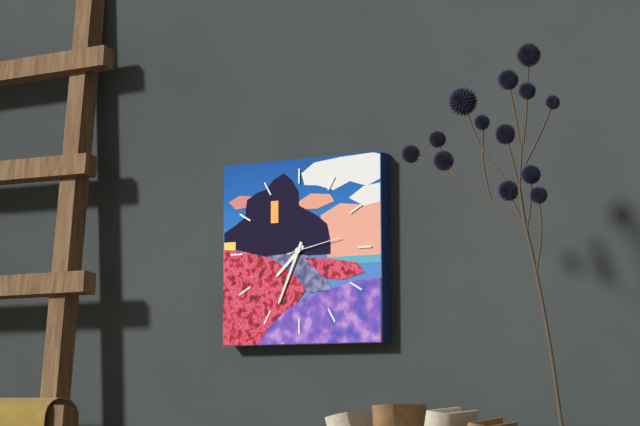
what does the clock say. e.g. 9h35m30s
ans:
7h34m13s
